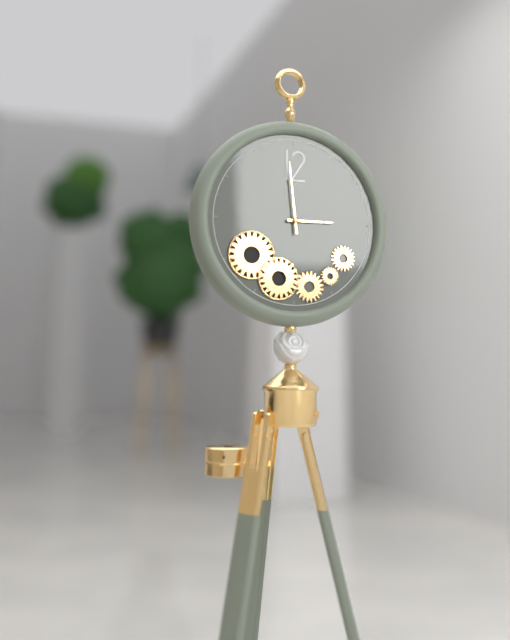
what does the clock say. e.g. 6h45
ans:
2h59
